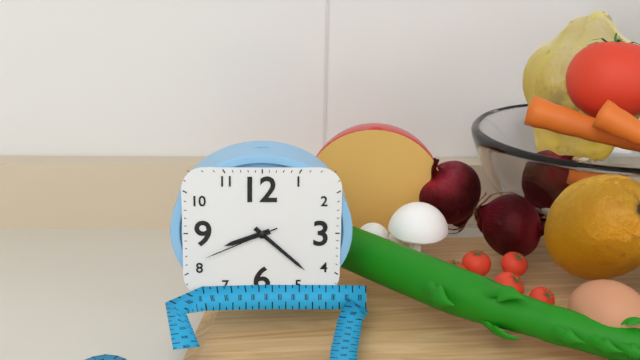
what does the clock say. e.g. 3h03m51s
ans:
8h22m41s
